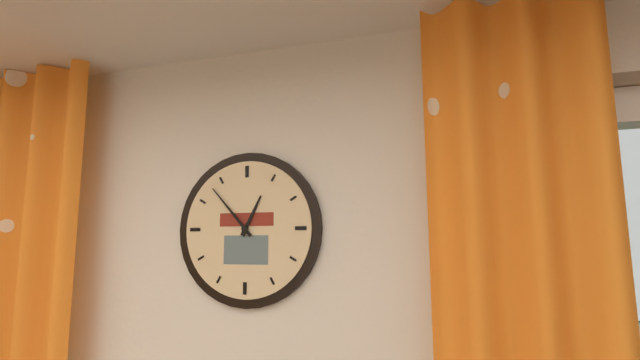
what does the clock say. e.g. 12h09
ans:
12h53
